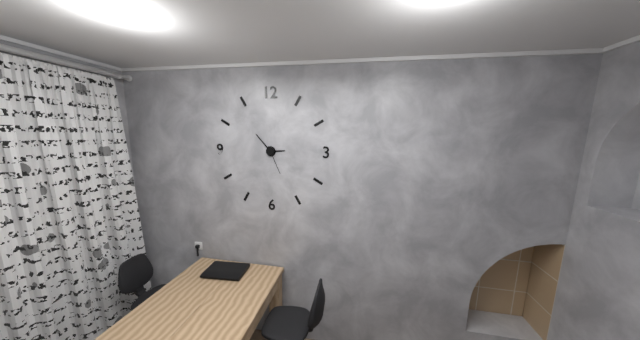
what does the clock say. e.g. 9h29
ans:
2h53
